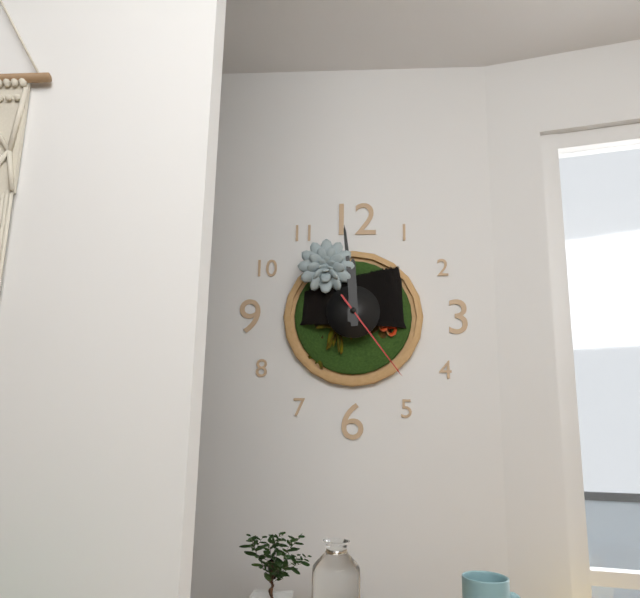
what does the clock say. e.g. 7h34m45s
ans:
11h59m24s
